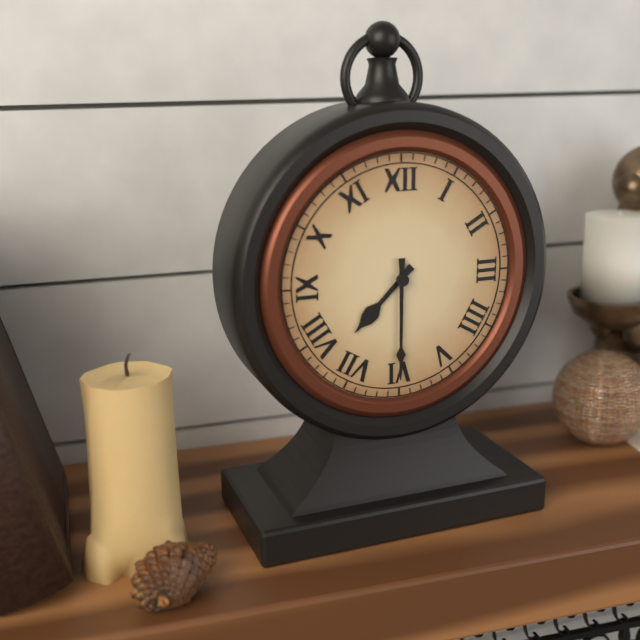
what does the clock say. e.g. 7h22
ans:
7h30
